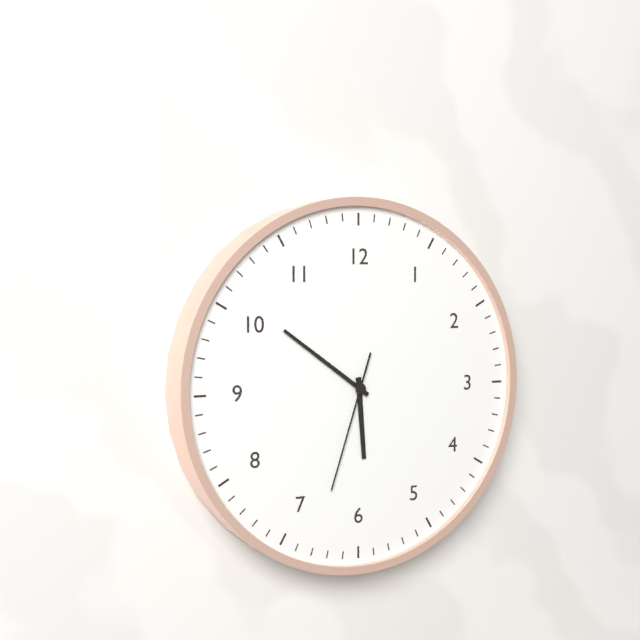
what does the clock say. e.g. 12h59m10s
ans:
5h51m33s
